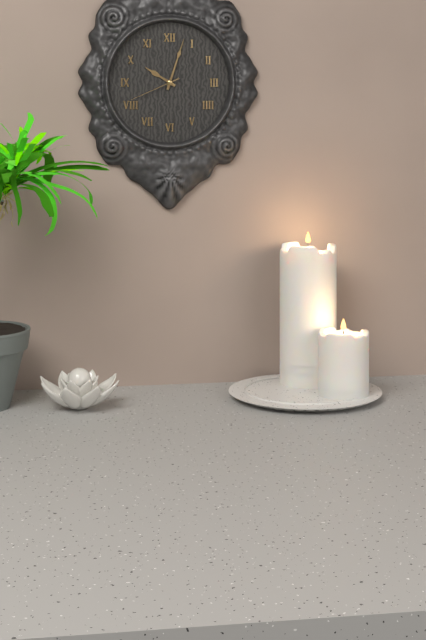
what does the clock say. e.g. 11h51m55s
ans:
10h03m41s
